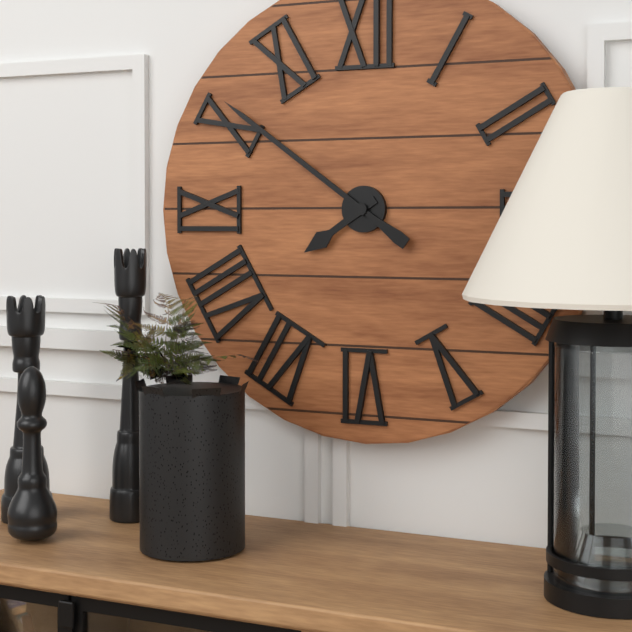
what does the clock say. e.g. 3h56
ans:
7h51
